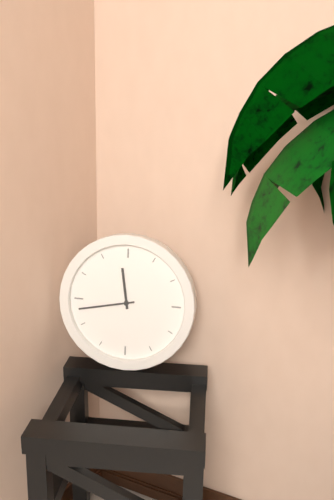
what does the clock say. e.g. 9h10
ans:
11h43
